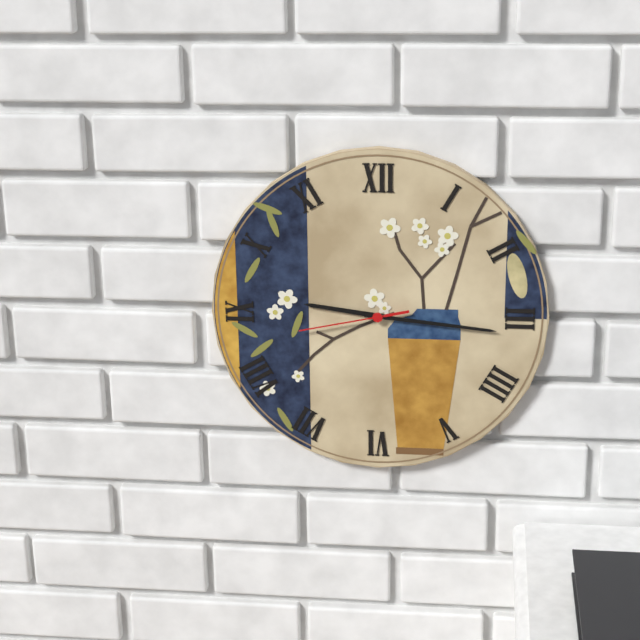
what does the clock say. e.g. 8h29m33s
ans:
9h16m43s
